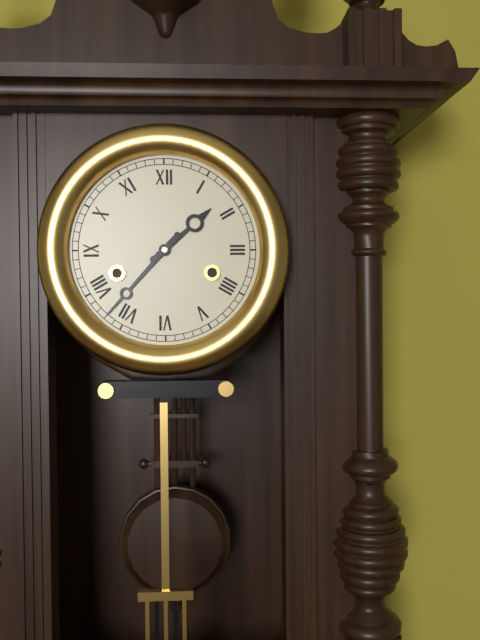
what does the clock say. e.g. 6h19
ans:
1h37
